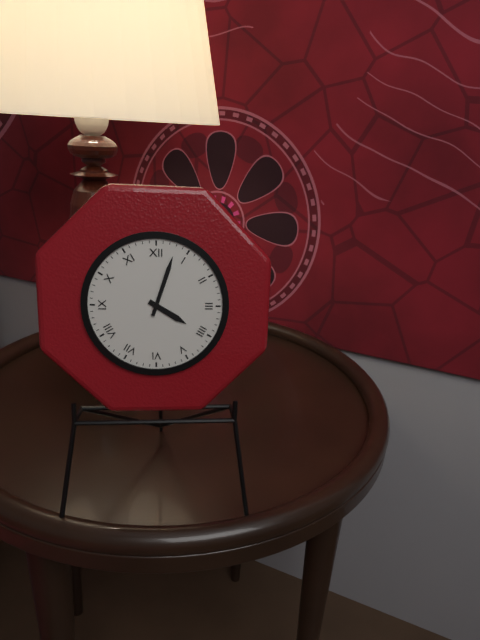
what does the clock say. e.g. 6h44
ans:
4h03
